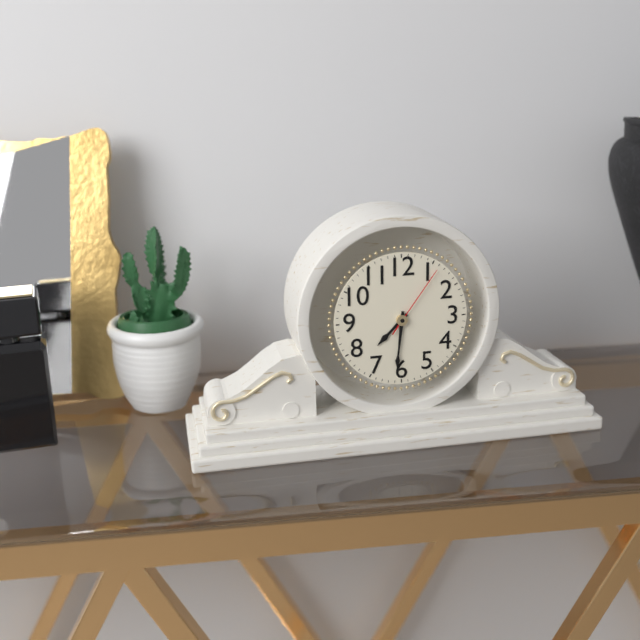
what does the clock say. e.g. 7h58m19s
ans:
7h31m06s
